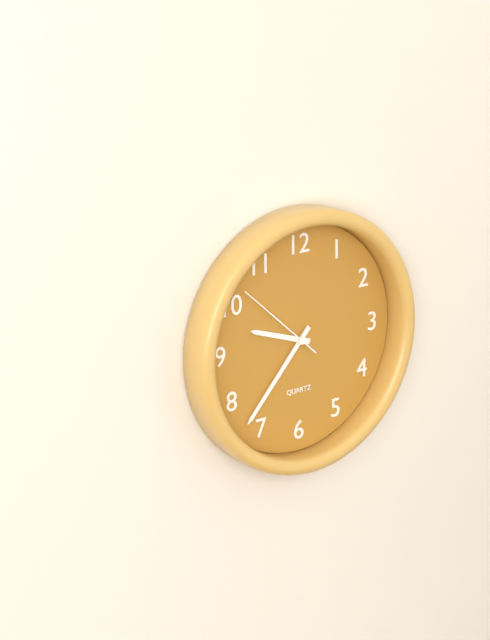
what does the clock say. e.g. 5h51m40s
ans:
9h37m52s
